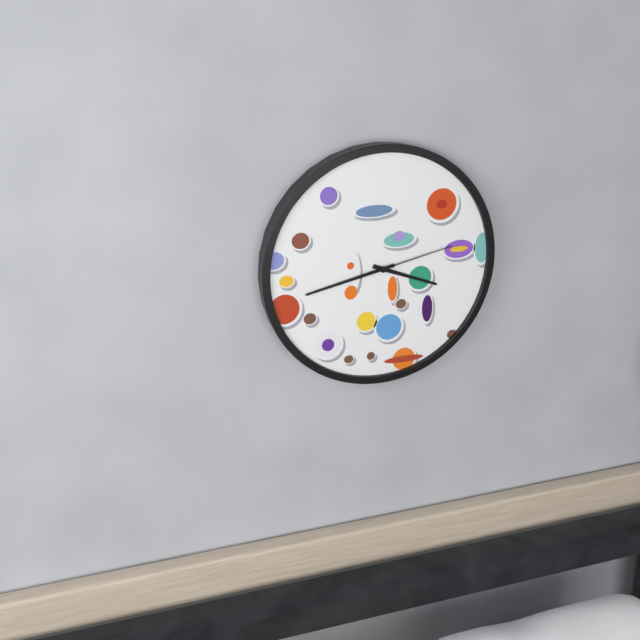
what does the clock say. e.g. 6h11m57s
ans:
3h43m13s
